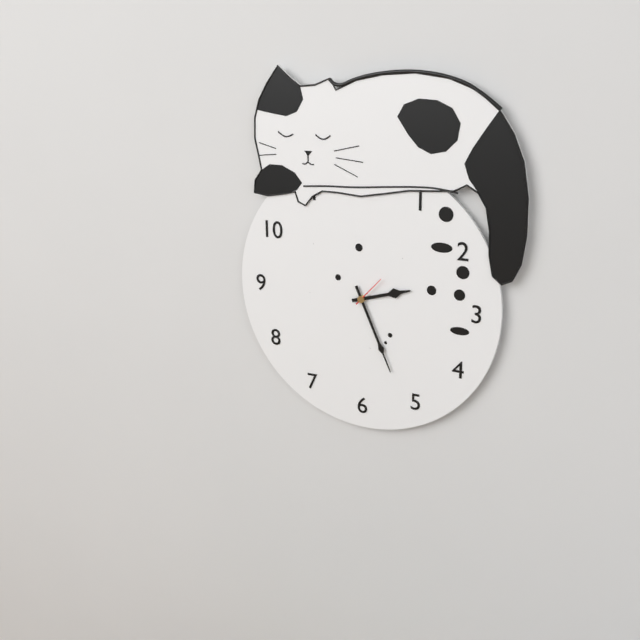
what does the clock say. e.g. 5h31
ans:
2h26
